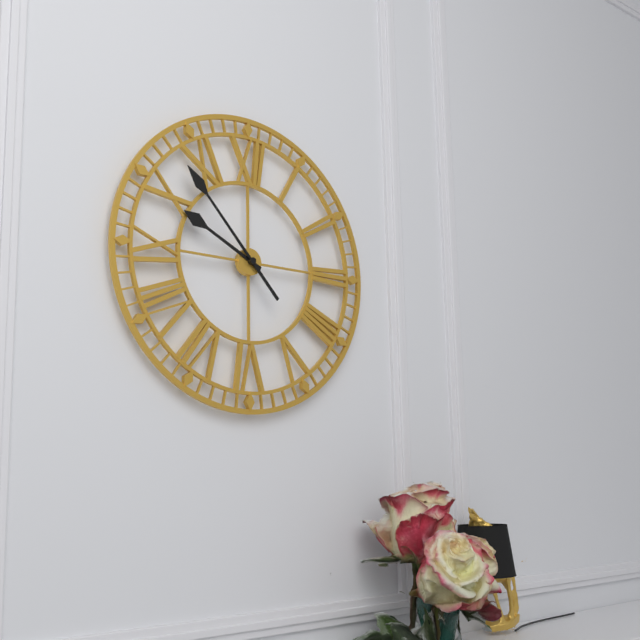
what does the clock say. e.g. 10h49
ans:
9h53
